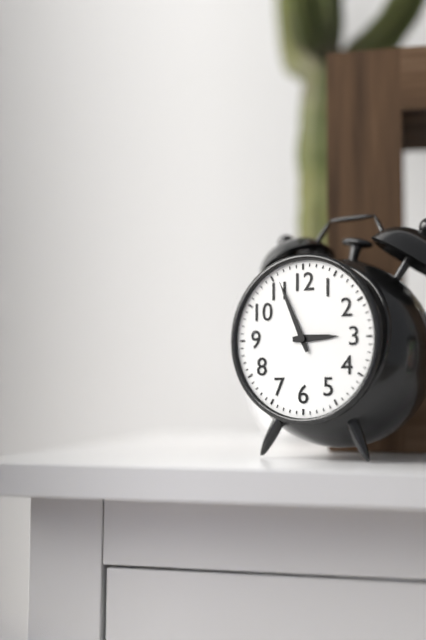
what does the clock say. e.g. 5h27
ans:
2h56
